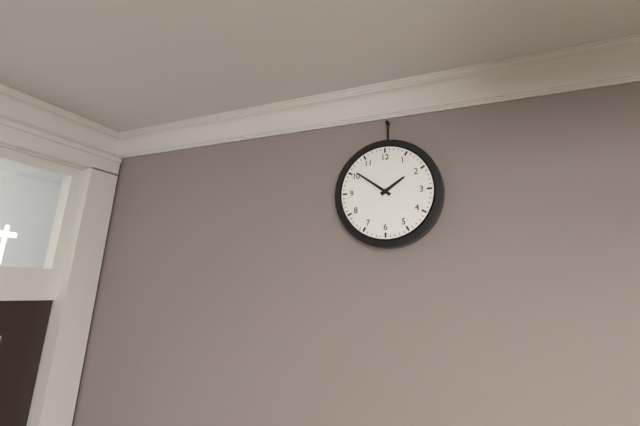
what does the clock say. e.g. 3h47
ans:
1h51
